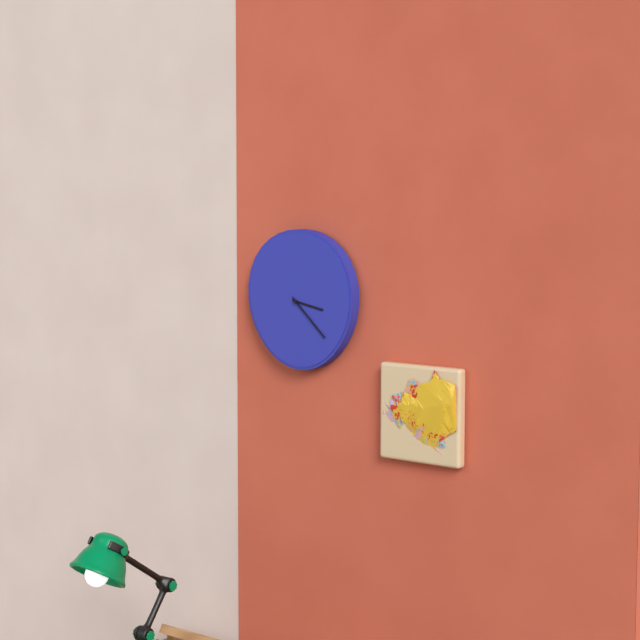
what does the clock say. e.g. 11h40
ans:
3h22
